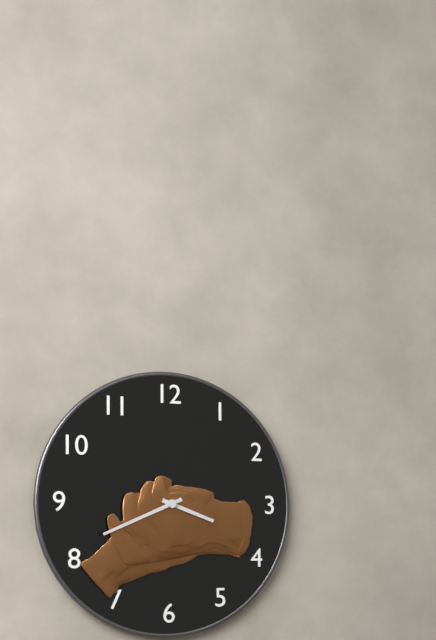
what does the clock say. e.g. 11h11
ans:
3h41
